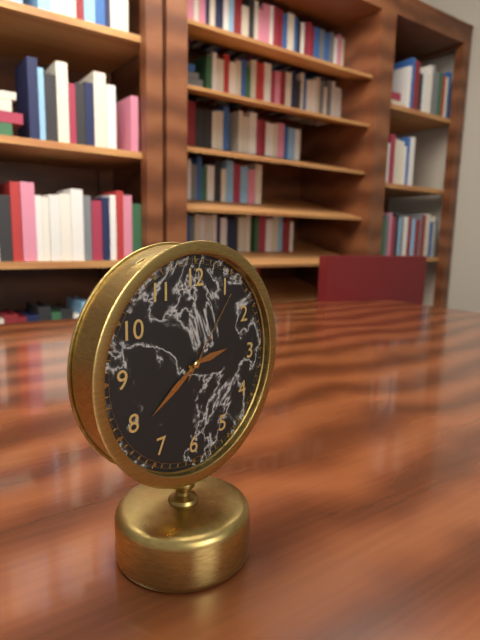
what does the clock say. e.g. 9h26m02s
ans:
2h39m06s
